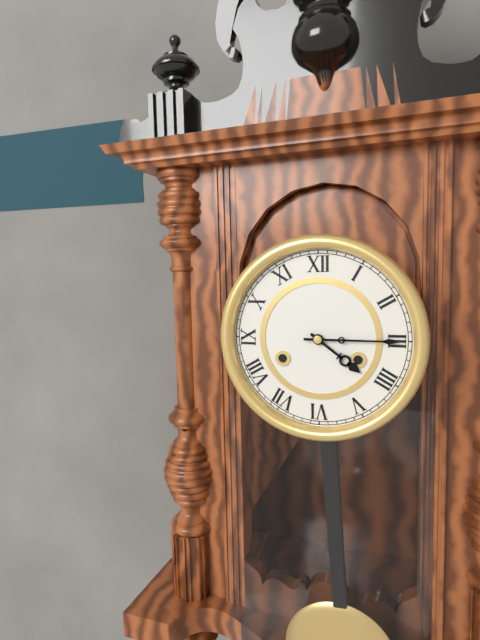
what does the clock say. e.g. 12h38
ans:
4h15
